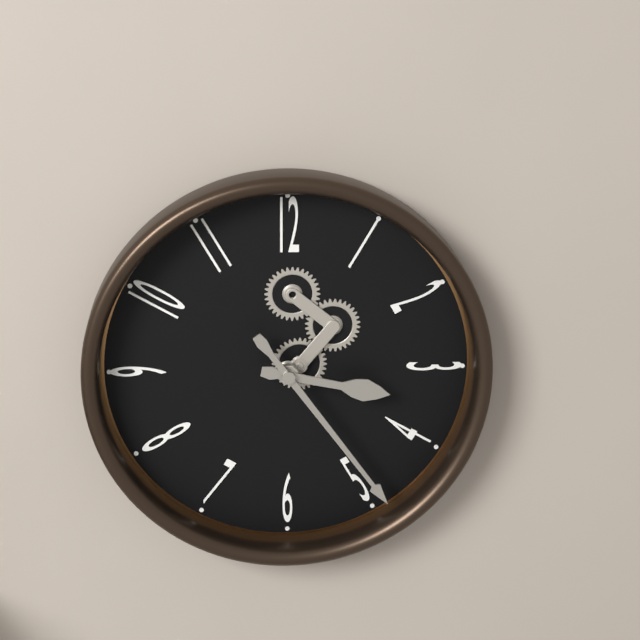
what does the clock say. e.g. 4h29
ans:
3h24
